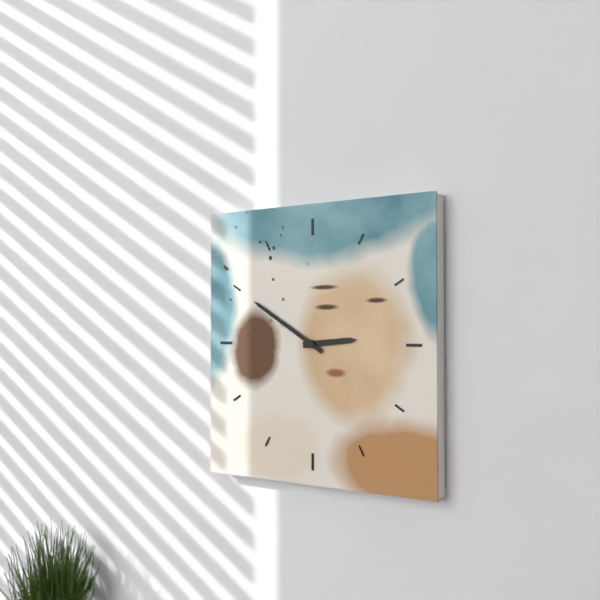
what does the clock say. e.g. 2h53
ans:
2h50
